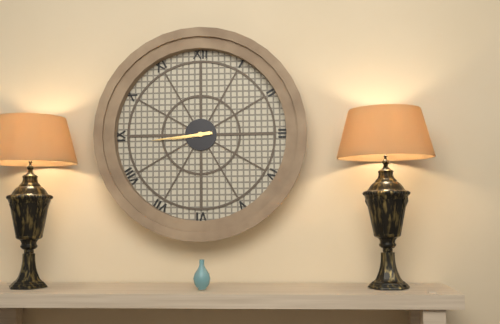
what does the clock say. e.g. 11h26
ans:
8h44
